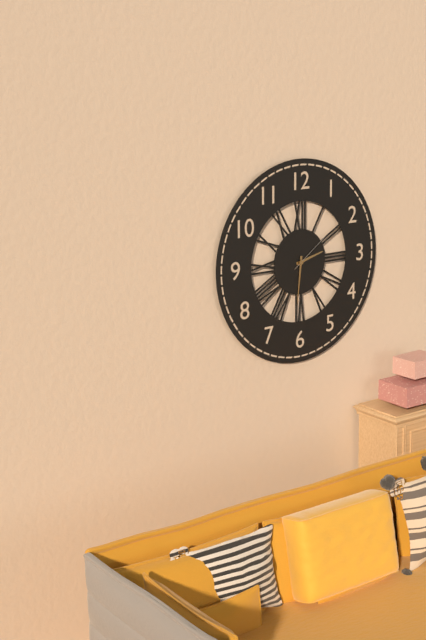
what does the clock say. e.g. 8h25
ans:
2h31
